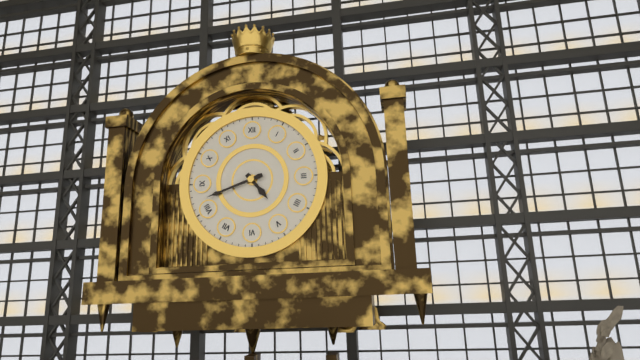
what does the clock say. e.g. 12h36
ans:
4h42
